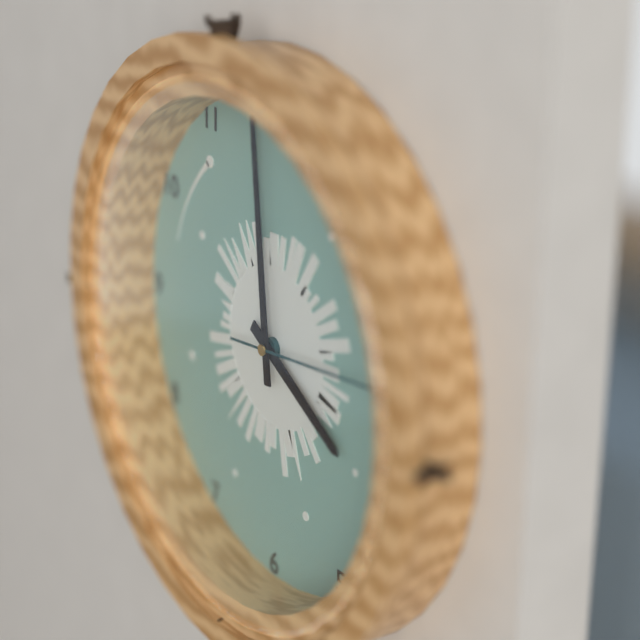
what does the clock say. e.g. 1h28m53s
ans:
3h59m14s
